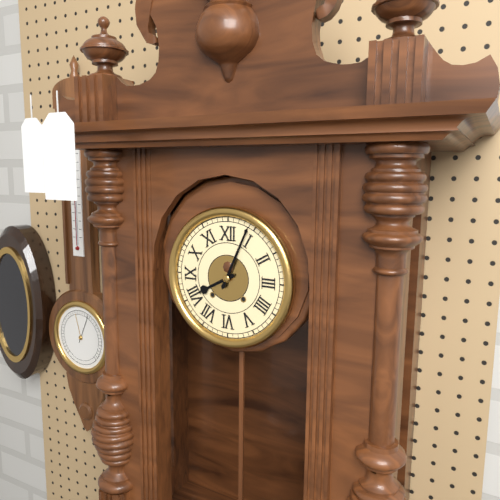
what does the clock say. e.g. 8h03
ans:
8h04
